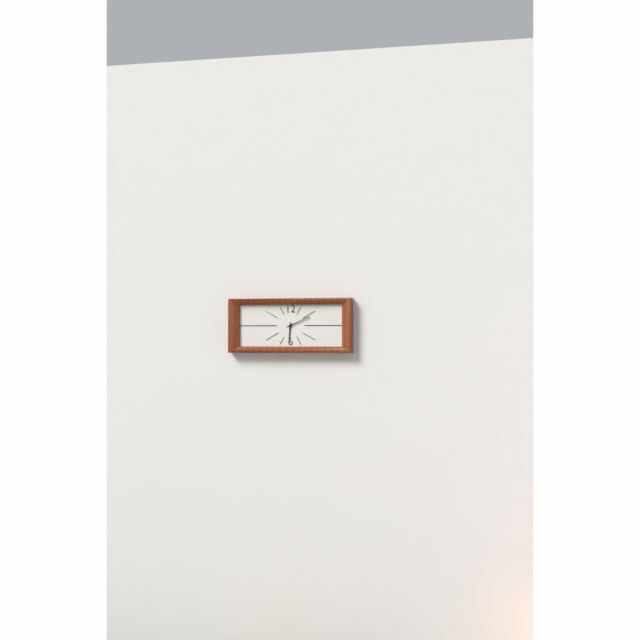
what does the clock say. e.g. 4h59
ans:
6h11
